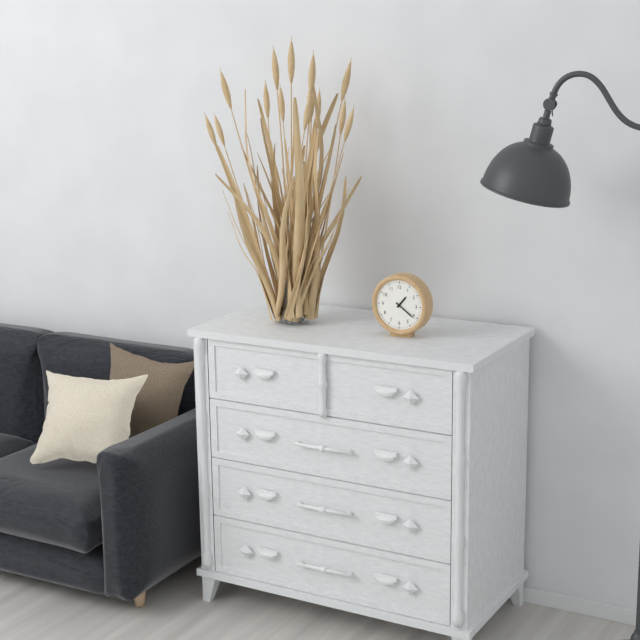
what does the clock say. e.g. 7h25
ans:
1h21
